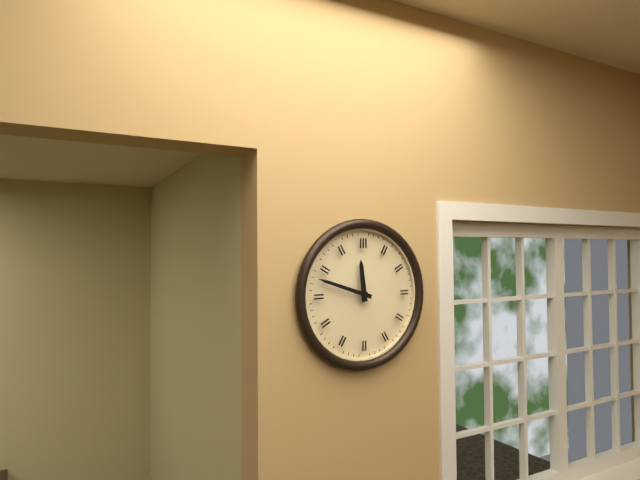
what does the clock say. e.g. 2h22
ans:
11h48
